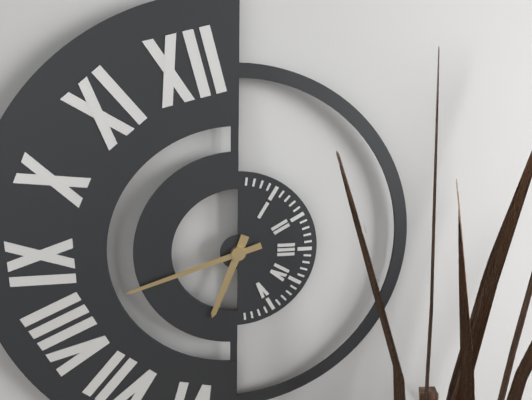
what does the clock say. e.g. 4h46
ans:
6h42
